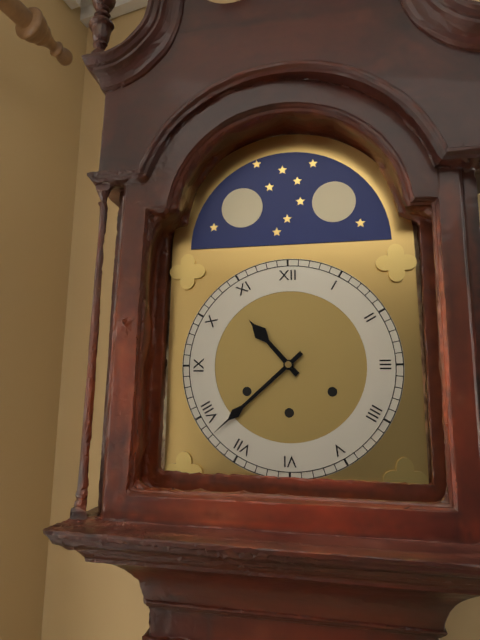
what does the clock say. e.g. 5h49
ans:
10h38
